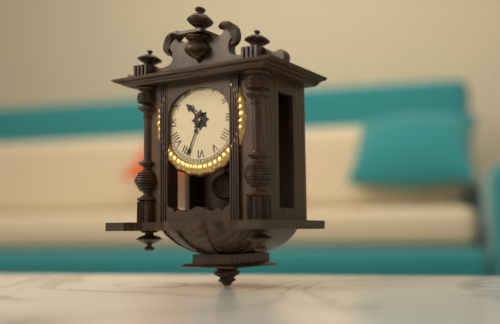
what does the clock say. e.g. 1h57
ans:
10h34
